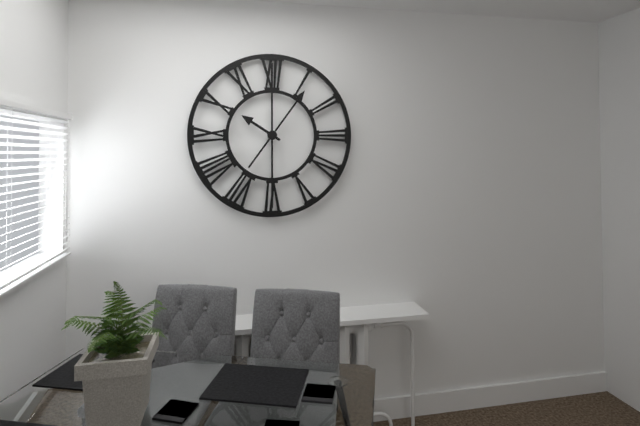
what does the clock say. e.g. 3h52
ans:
10h06
